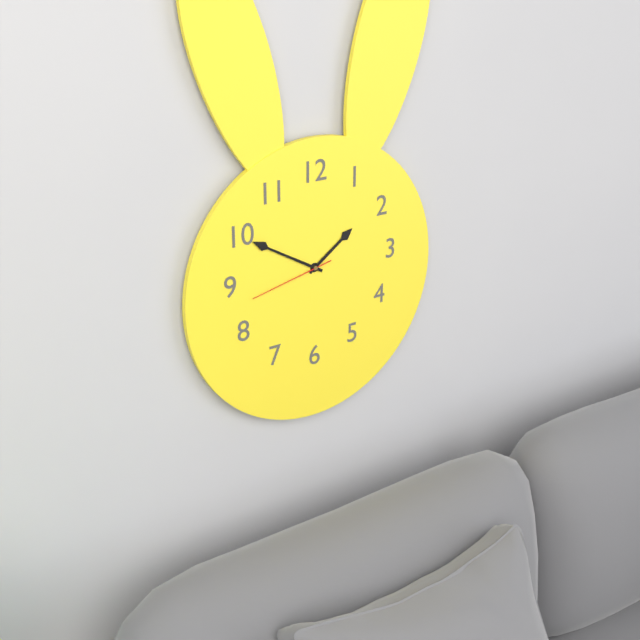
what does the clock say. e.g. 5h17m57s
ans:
1h50m43s
